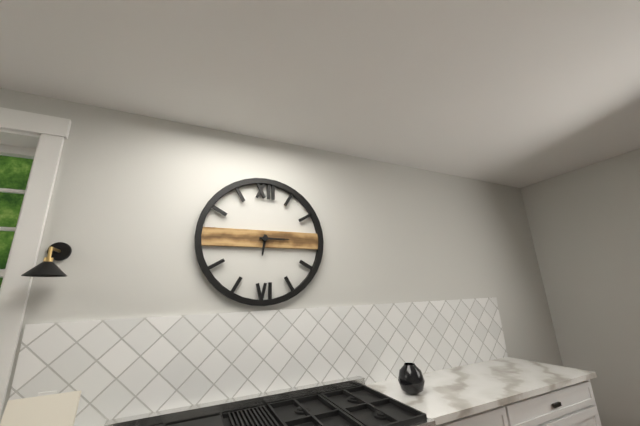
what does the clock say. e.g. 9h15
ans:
6h15
